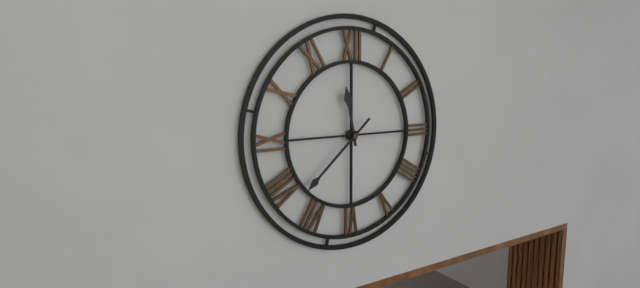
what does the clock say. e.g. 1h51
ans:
11h38
